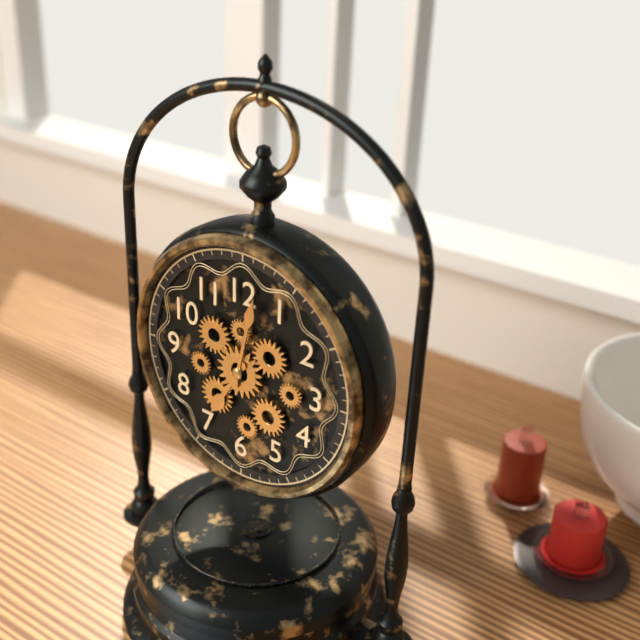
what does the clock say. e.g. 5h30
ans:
7h02
